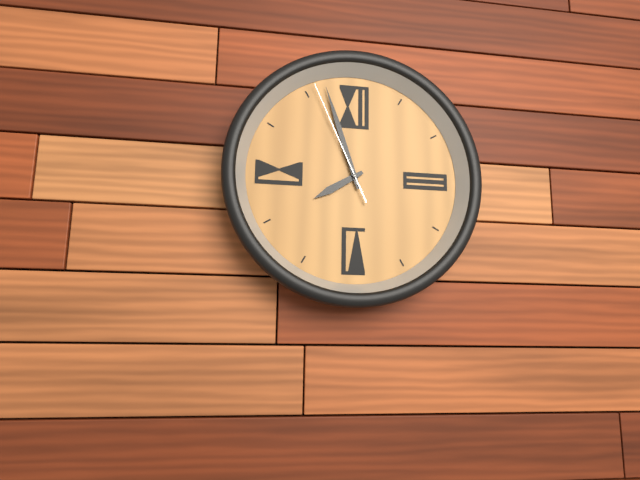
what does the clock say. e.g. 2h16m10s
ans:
7h57m56s
